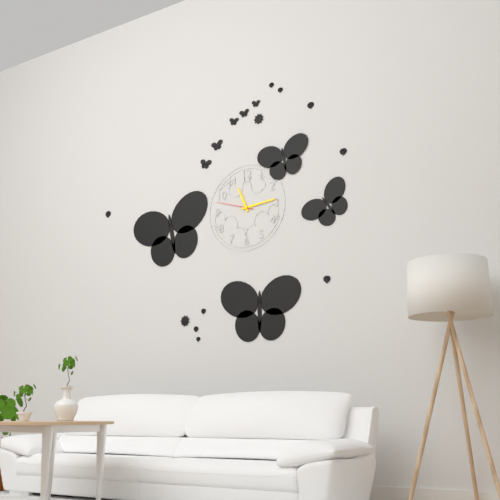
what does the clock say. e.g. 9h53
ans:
11h14
